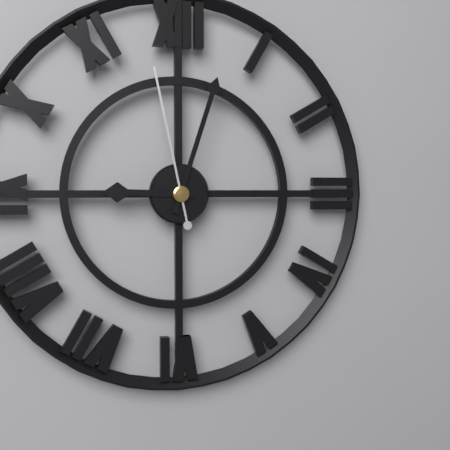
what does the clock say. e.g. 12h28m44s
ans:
9h03m58s
